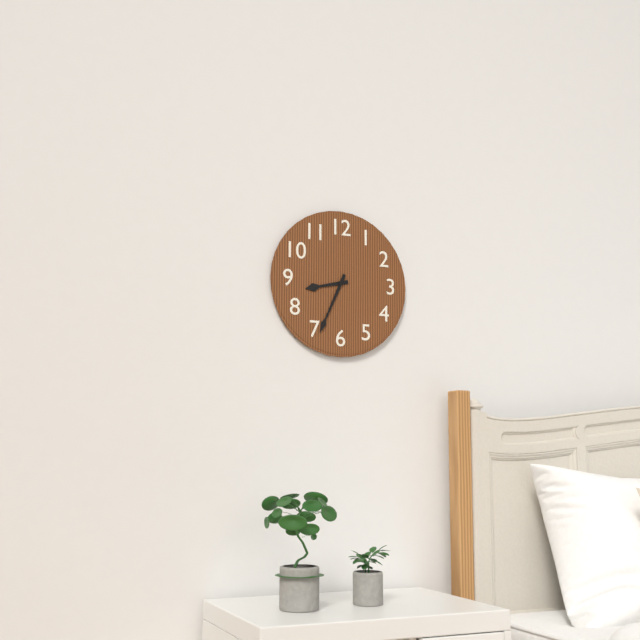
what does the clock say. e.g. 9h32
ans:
8h34
